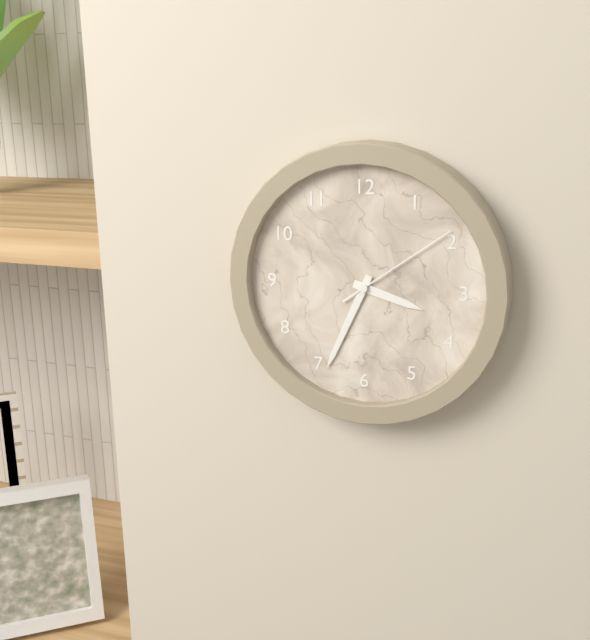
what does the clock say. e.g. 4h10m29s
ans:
3h34m09s
